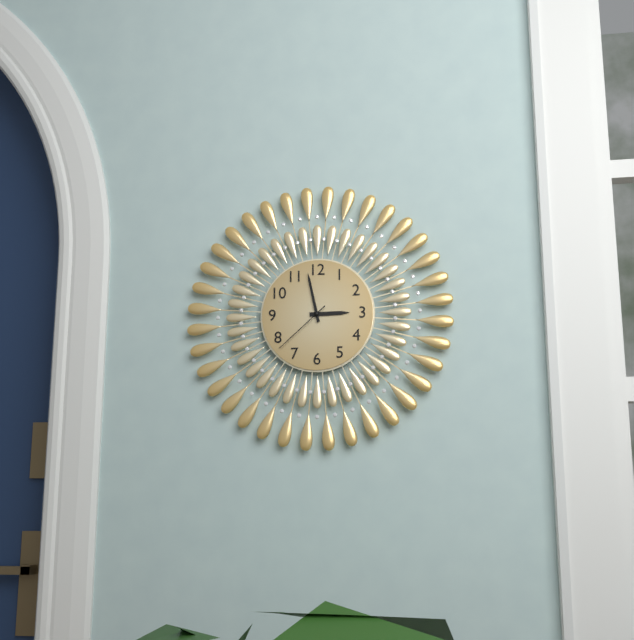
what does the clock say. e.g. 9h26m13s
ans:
2h58m38s
